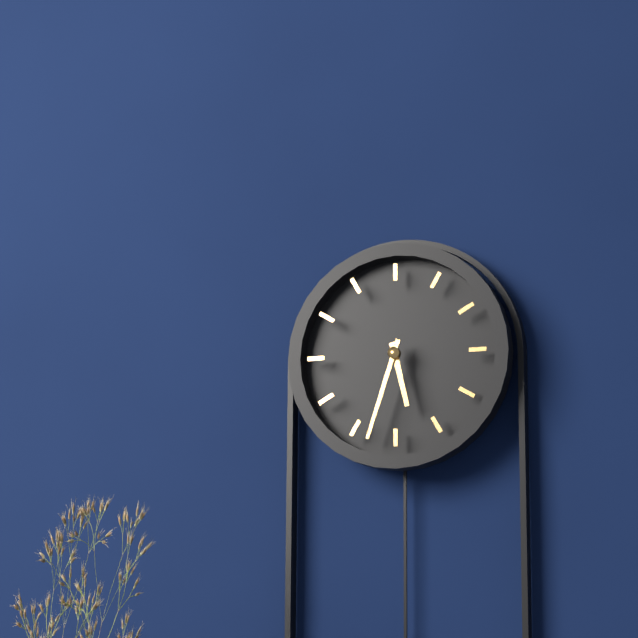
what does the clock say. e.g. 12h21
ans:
5h33
